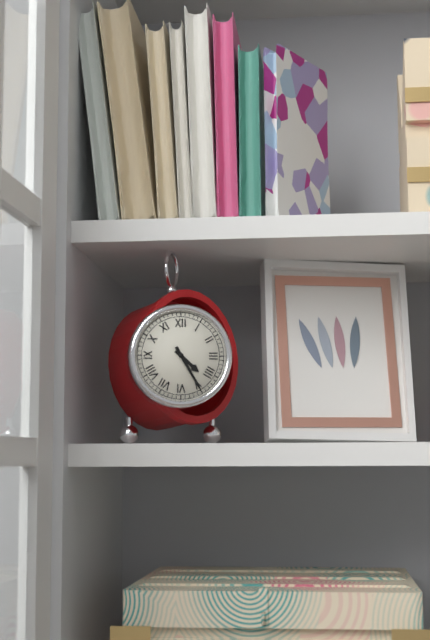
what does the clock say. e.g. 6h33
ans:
4h25
